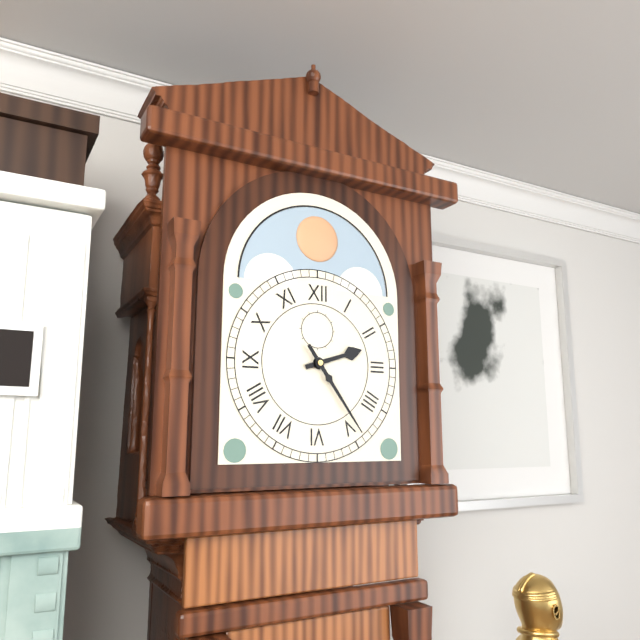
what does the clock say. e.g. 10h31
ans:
2h24
